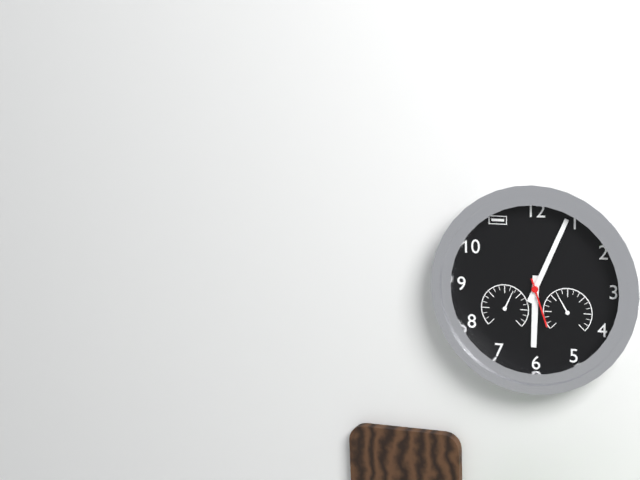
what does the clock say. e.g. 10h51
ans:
6h04
